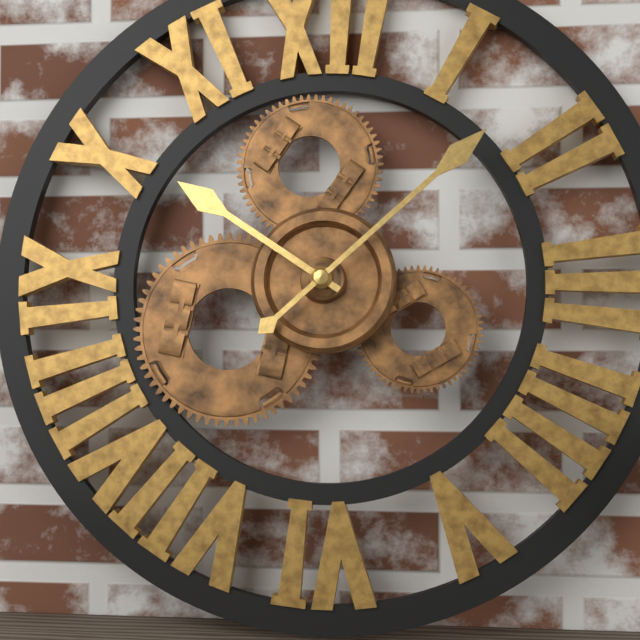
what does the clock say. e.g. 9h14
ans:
10h08
